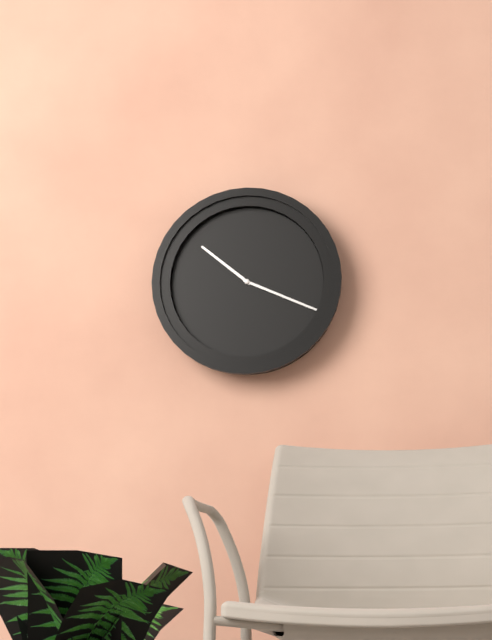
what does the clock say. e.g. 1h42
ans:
10h19
